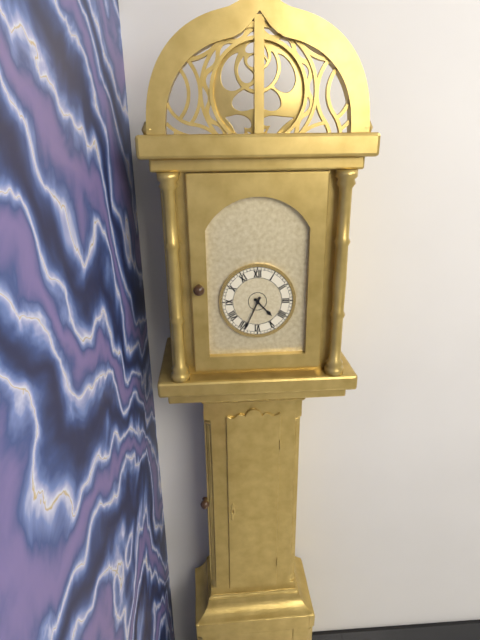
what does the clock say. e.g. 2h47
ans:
4h34
